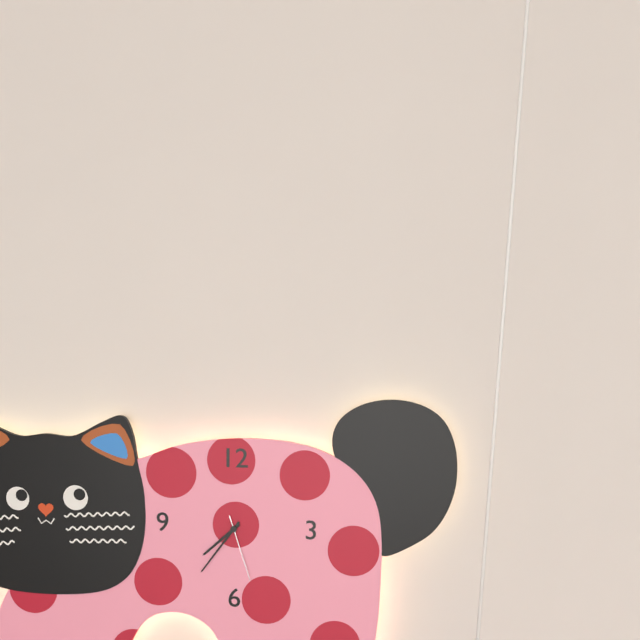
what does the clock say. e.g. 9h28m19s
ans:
7h36m27s
